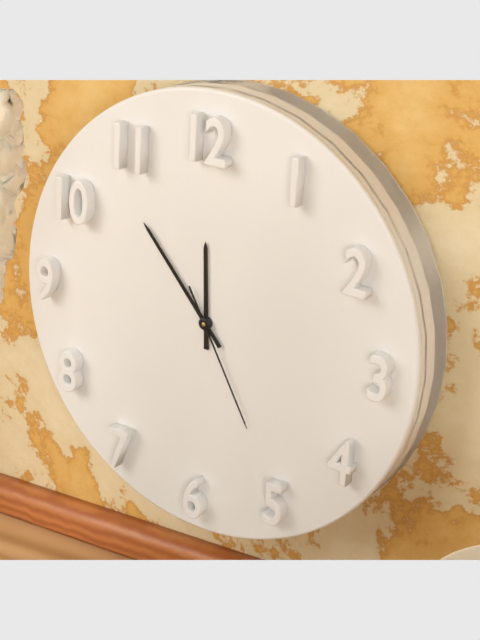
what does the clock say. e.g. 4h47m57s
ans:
11h53m25s
